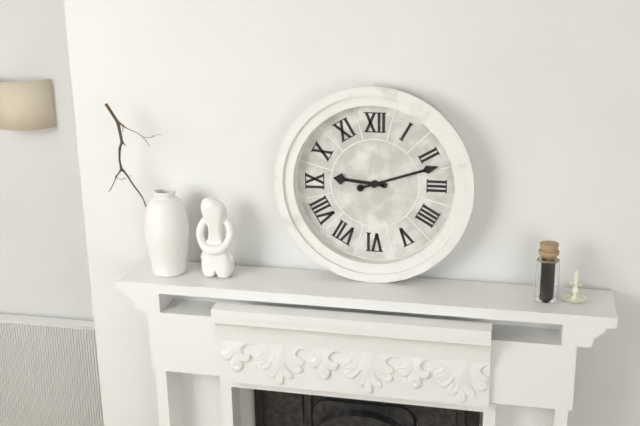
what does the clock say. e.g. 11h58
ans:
9h12
